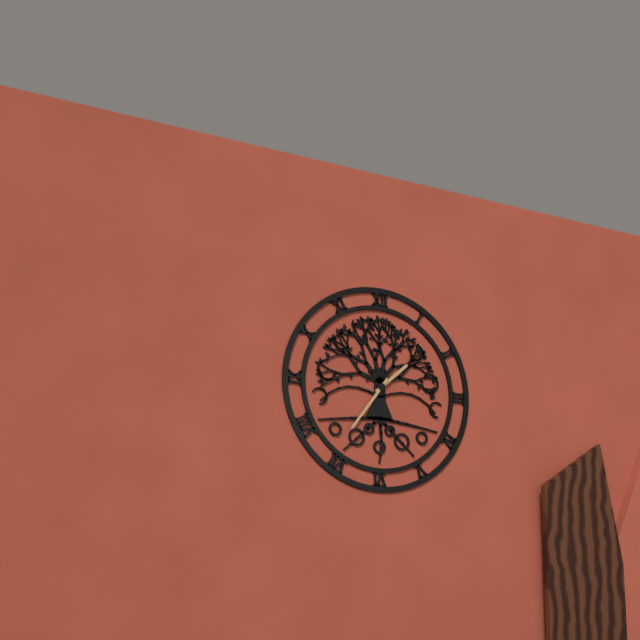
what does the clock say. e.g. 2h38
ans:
1h36
